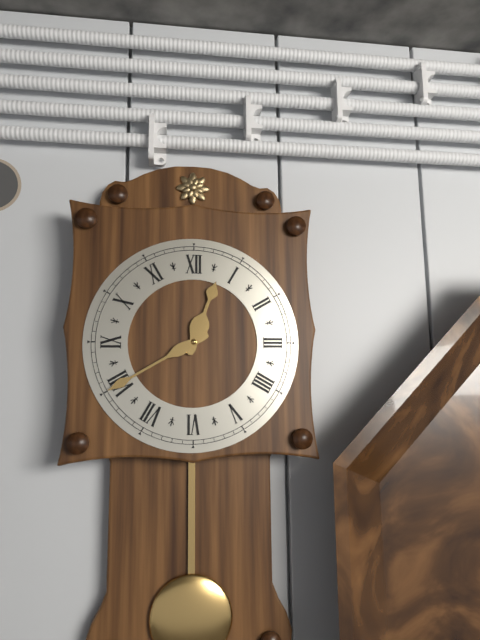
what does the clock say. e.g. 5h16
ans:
12h40
